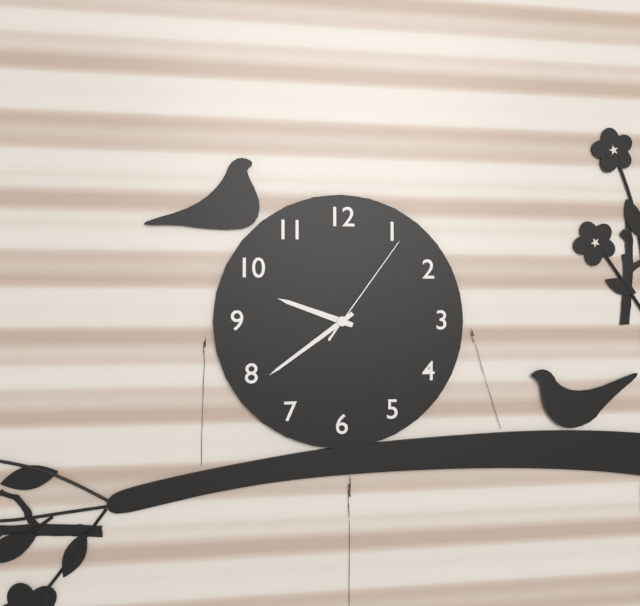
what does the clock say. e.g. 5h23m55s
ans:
9h39m06s
